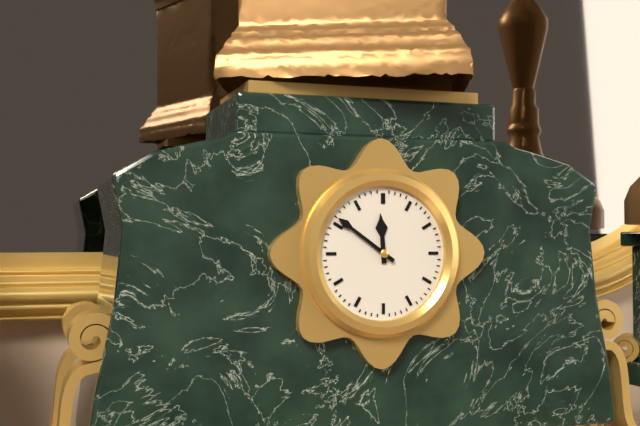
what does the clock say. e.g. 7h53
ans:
11h51
